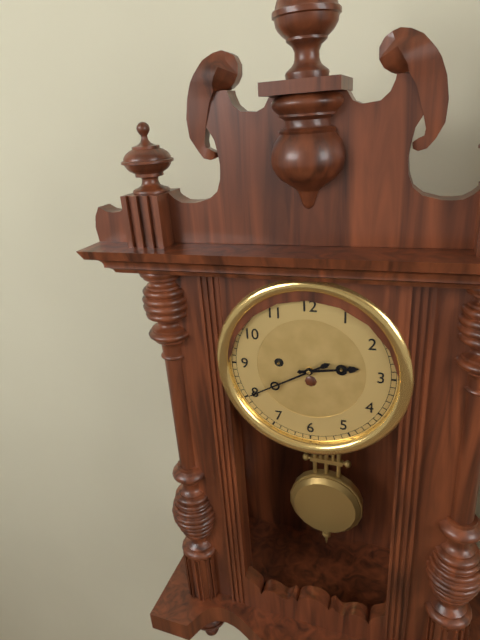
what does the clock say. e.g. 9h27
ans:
2h40
